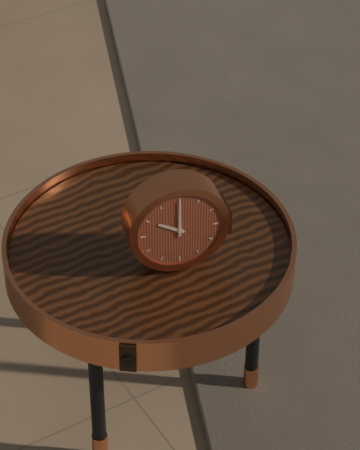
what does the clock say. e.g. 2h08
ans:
10h00
